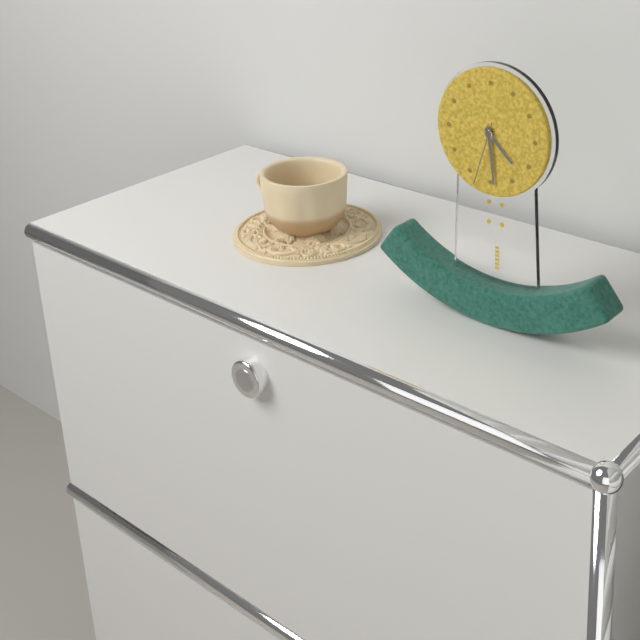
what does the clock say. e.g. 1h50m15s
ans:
4h29m33s
